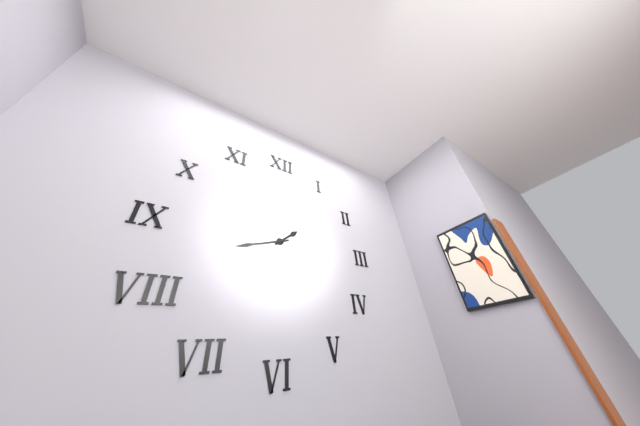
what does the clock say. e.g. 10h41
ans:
1h42
